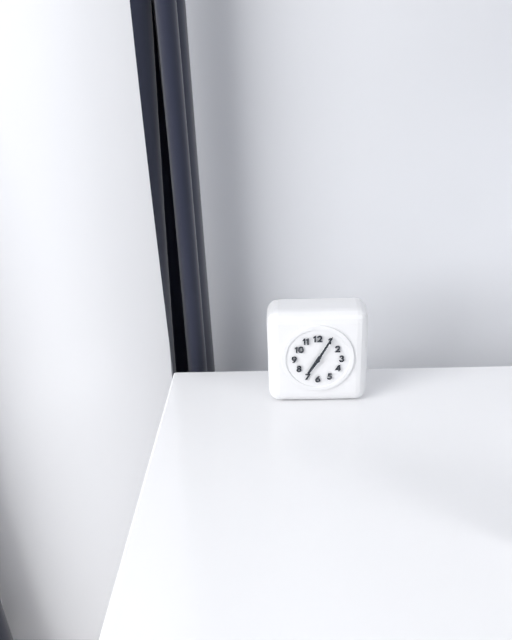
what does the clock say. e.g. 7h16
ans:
7h05
